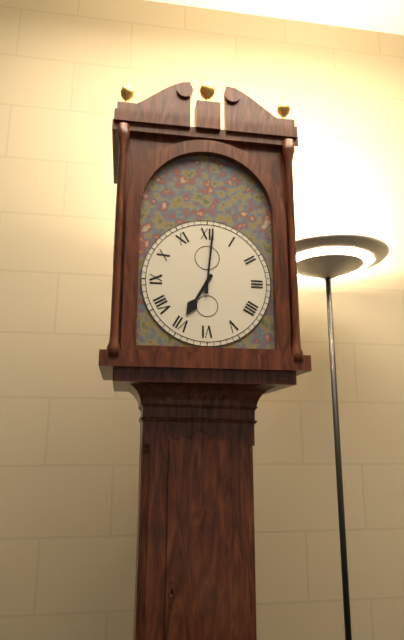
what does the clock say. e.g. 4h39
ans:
7h01
